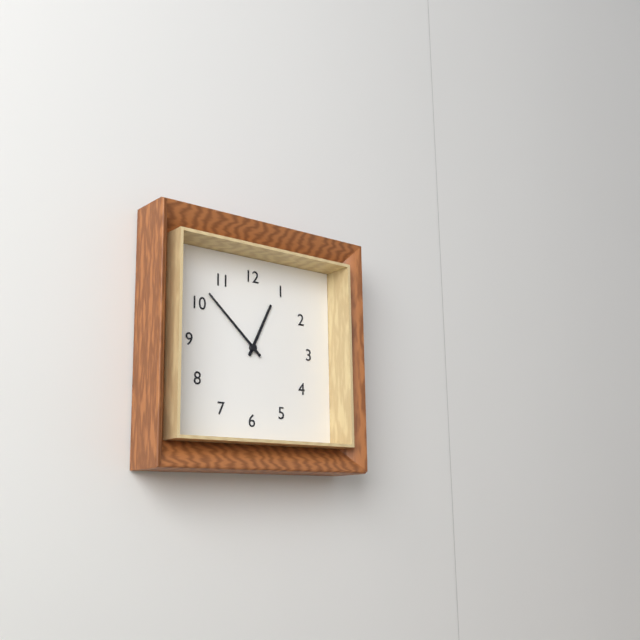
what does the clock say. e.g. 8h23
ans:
12h52
